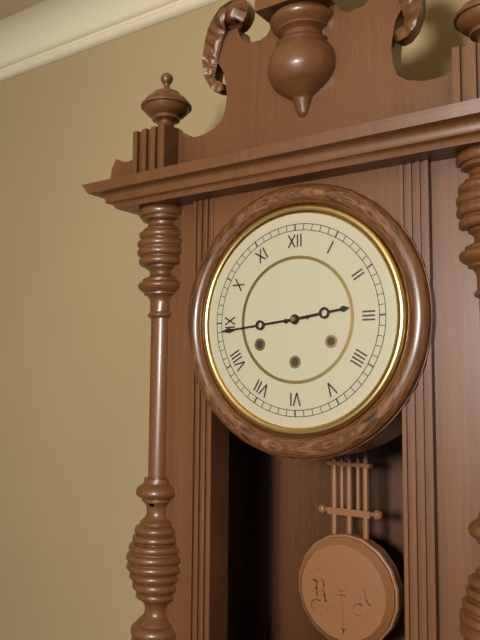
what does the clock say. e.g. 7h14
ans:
2h44
